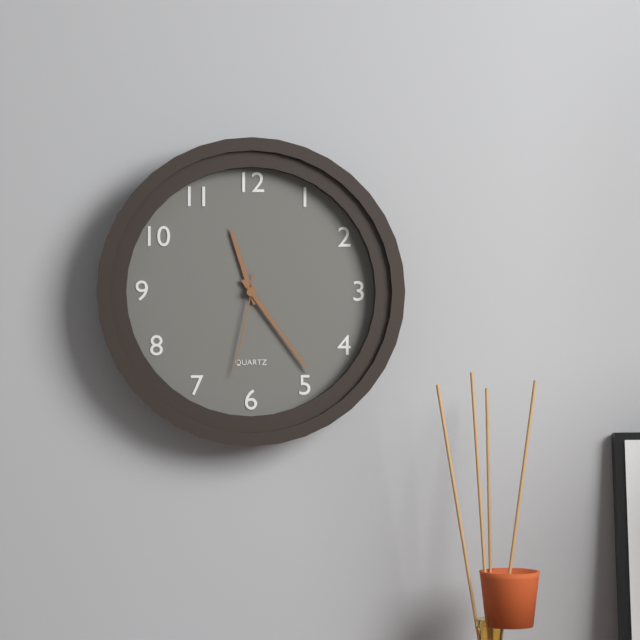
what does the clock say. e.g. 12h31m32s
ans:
11h24m32s
